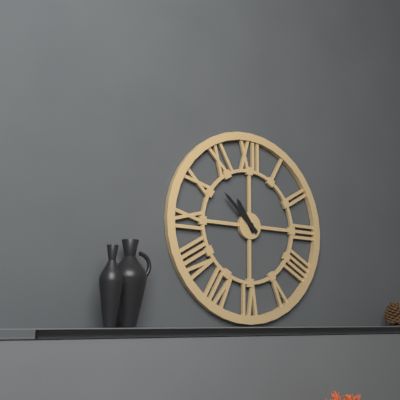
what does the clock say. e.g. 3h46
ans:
10h52
